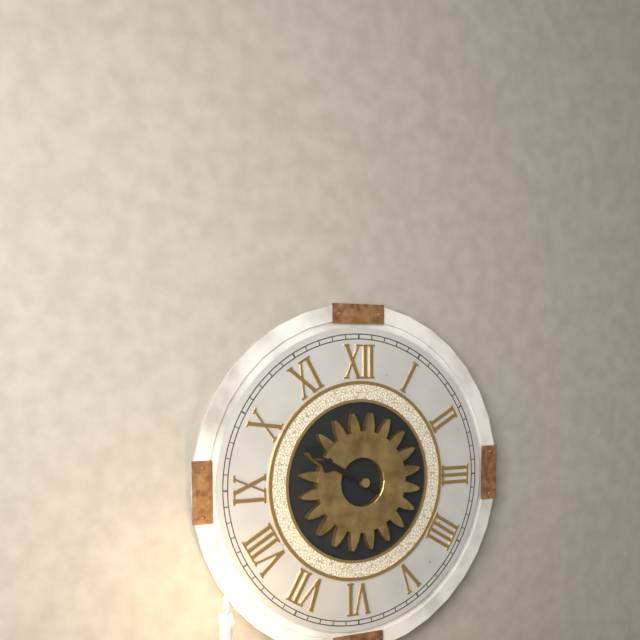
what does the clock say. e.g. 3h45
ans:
9h50
